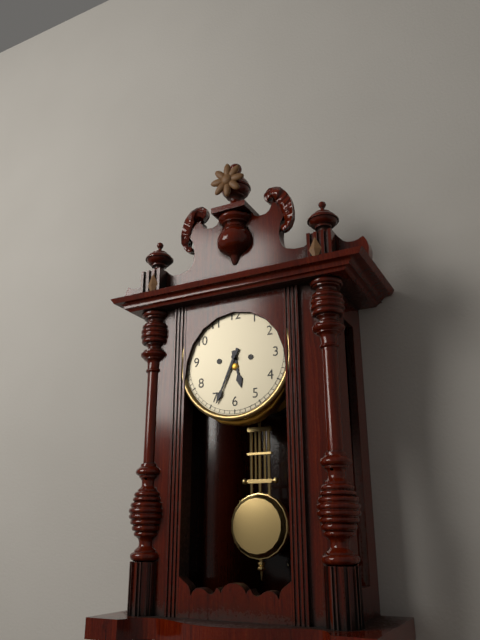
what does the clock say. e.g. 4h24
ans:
5h34
